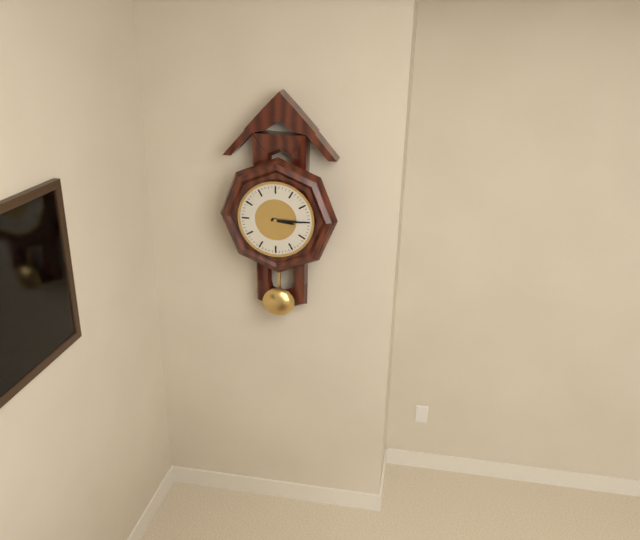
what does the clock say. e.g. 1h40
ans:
3h15
